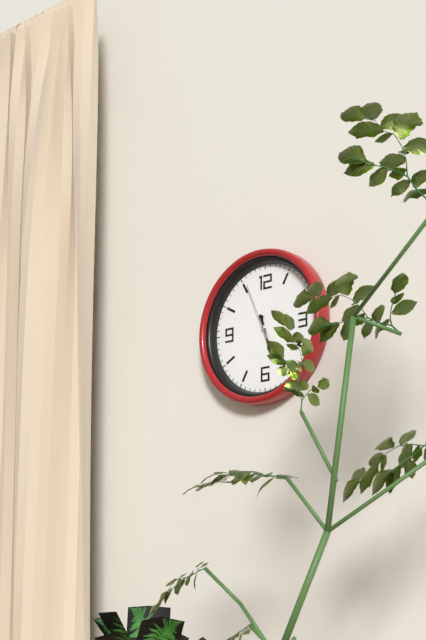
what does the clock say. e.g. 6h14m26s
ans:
5h27m56s
